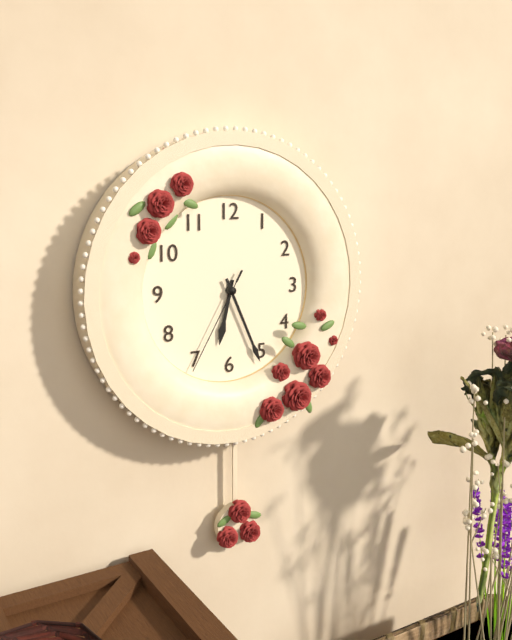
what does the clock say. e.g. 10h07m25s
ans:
6h26m35s
